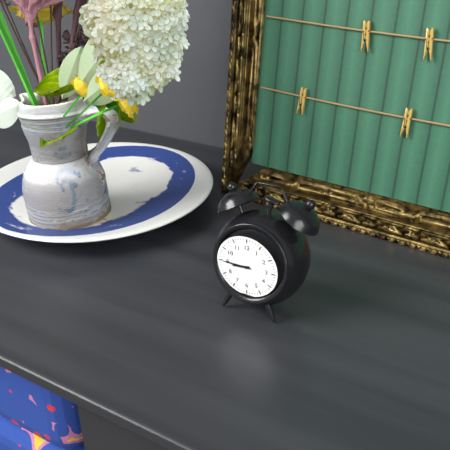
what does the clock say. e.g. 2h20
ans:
8h45
